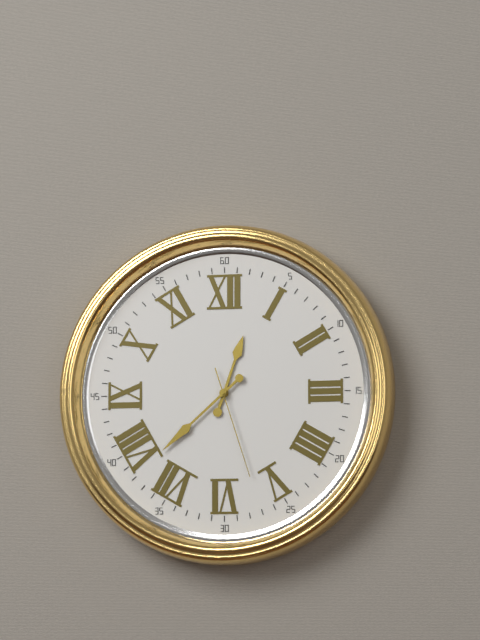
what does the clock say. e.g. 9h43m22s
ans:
12h38m27s
